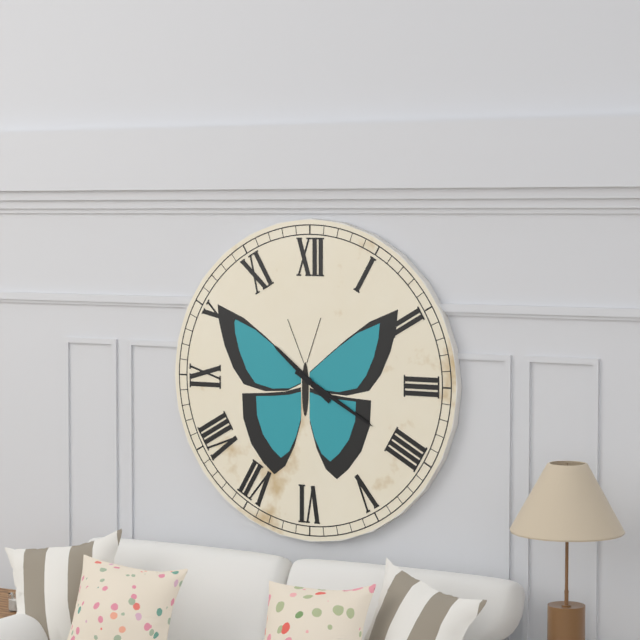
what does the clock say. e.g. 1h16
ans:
10h20
